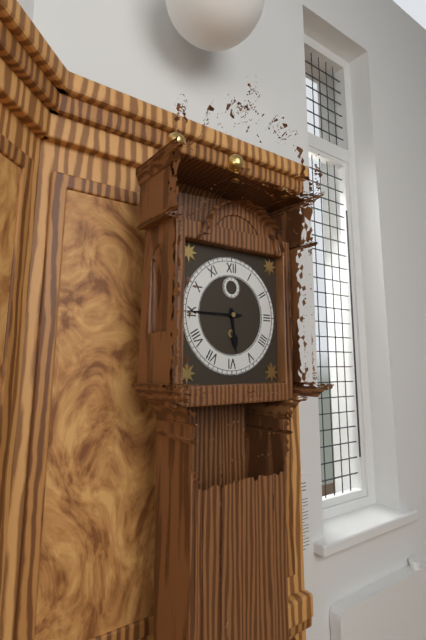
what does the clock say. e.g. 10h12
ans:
5h45
